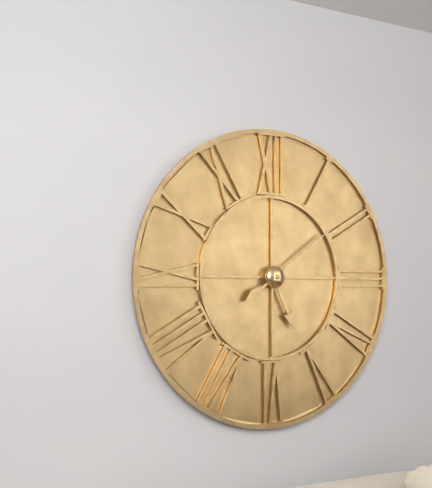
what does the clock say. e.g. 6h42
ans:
5h09
